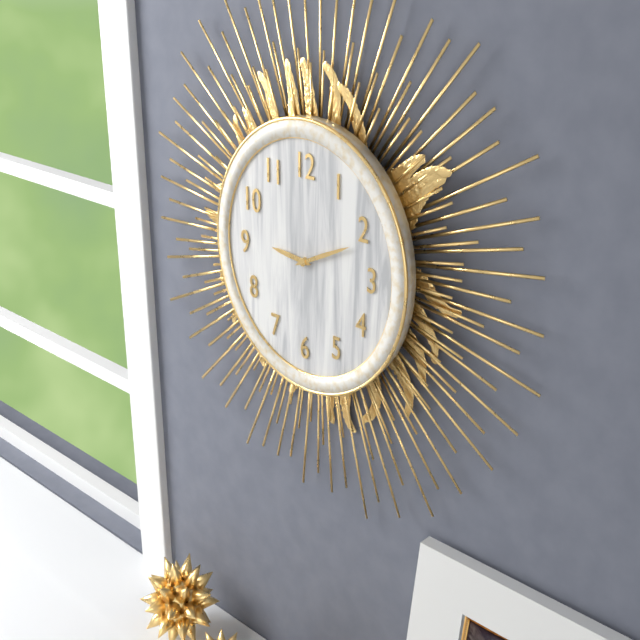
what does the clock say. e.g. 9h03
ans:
9h11
